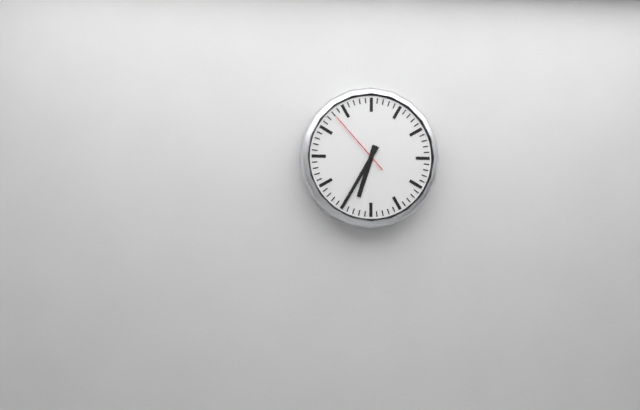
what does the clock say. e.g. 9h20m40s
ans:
6h35m53s
